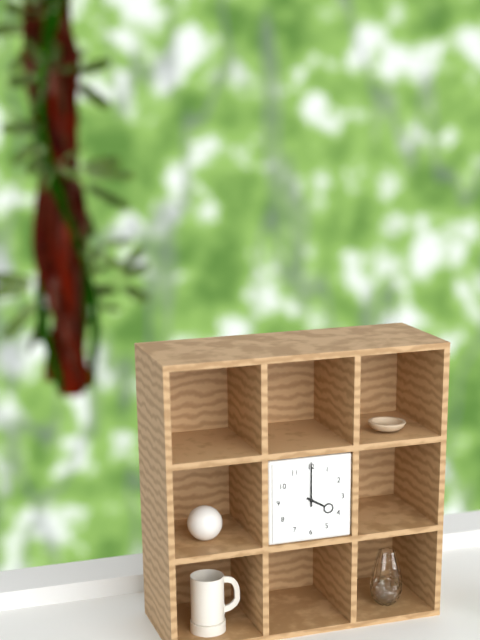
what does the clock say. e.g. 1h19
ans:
4h00
